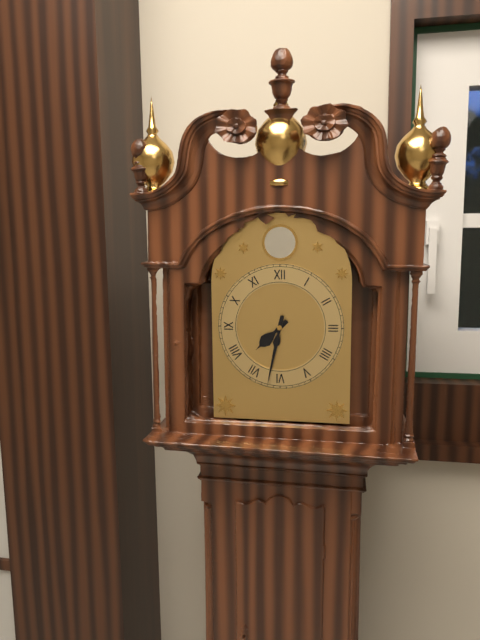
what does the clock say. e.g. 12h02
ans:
7h32
